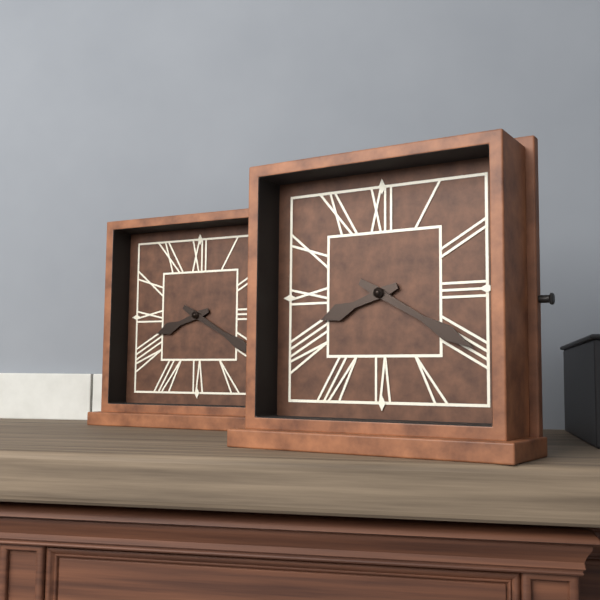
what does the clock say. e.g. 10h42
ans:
8h20
